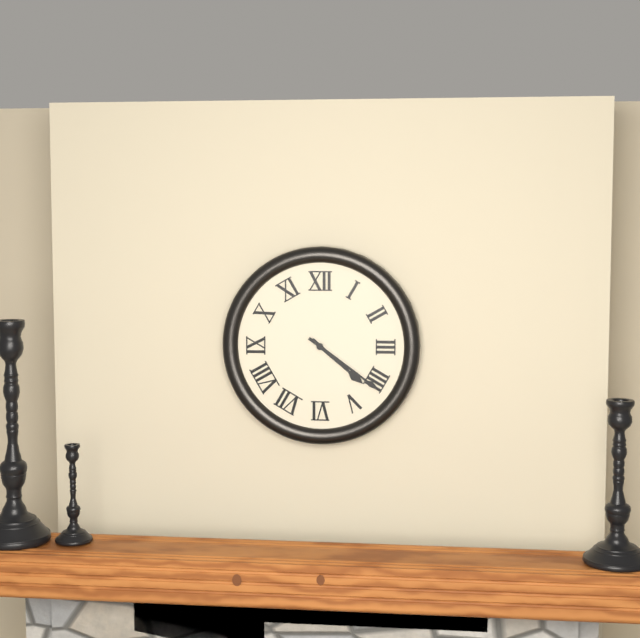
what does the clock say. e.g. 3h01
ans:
4h21
